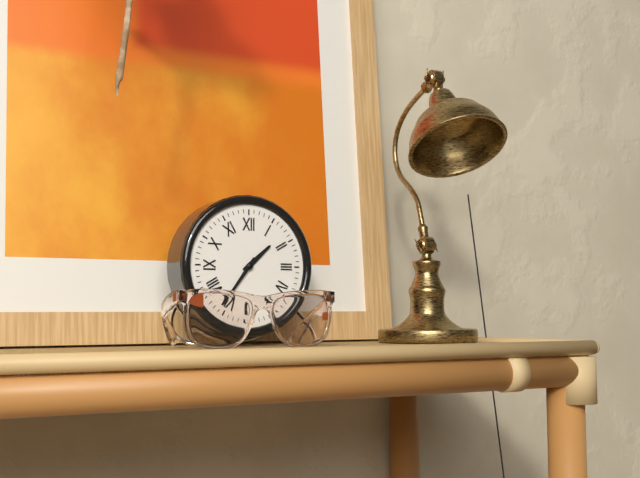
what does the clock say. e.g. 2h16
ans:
1h36
